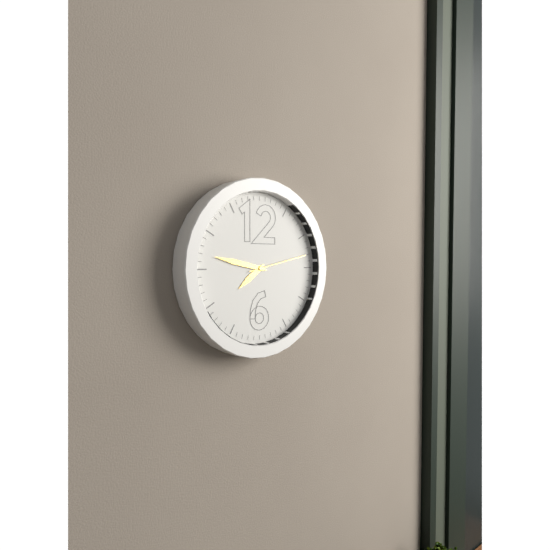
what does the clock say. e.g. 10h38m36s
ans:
7h47m13s
